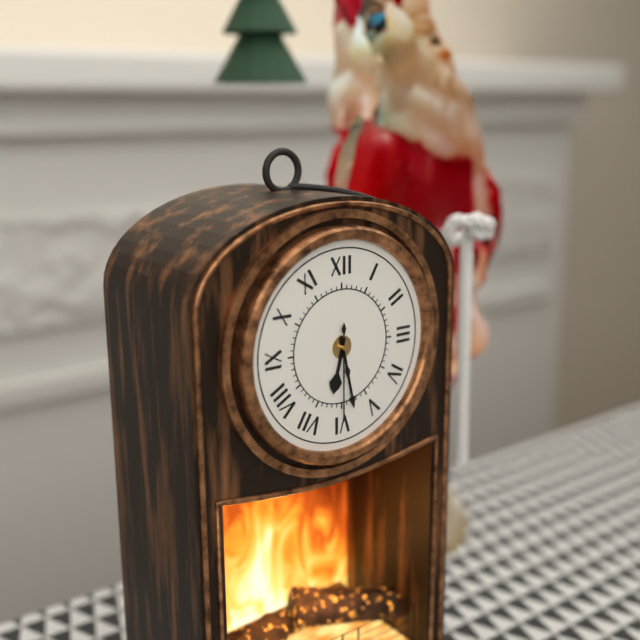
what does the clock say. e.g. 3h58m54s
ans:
6h28m30s
